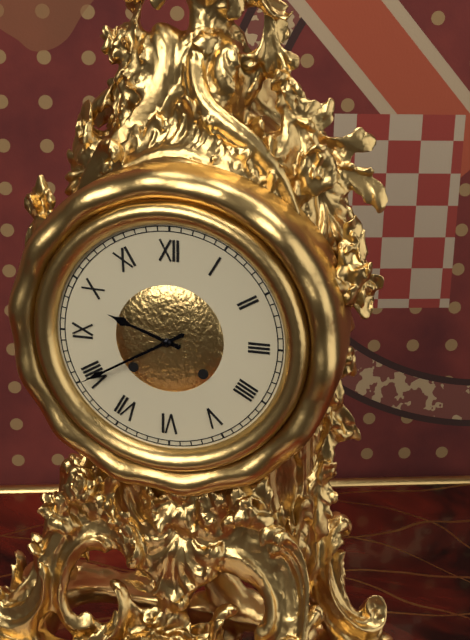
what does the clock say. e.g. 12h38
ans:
9h40
